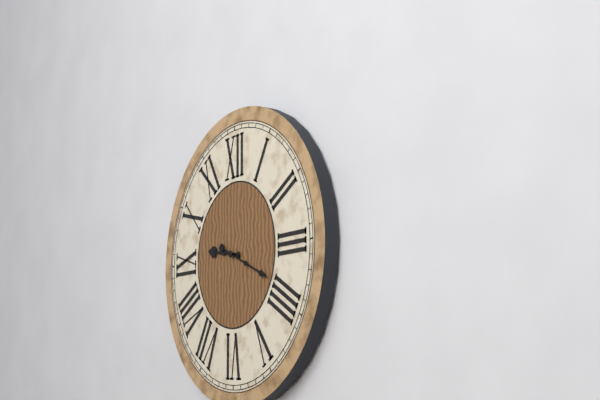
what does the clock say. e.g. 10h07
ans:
9h19
